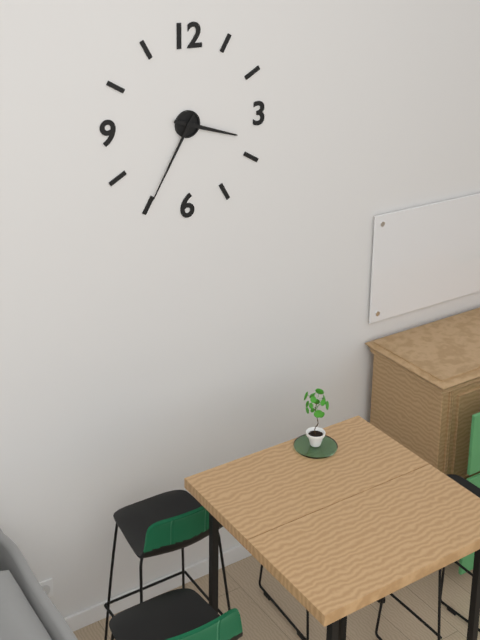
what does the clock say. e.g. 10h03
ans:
3h35
